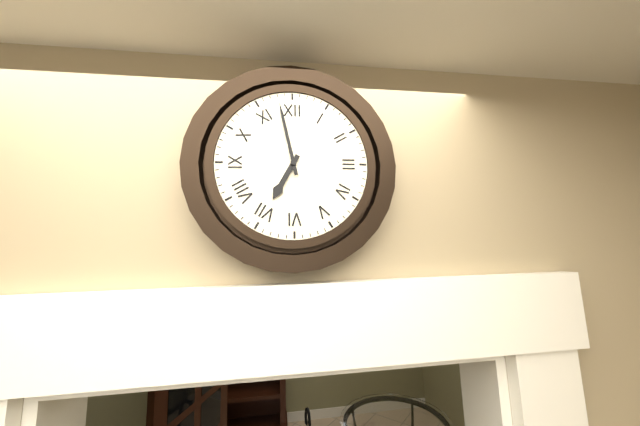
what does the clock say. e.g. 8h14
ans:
6h58
